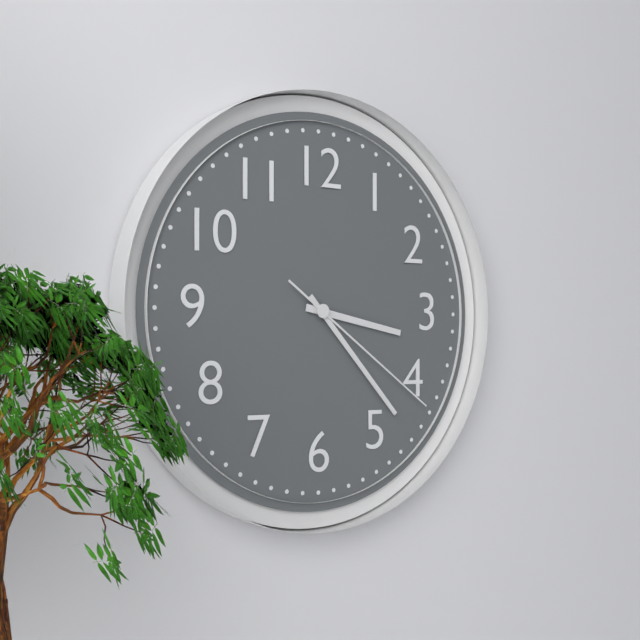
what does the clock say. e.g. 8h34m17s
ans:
3h23m21s
